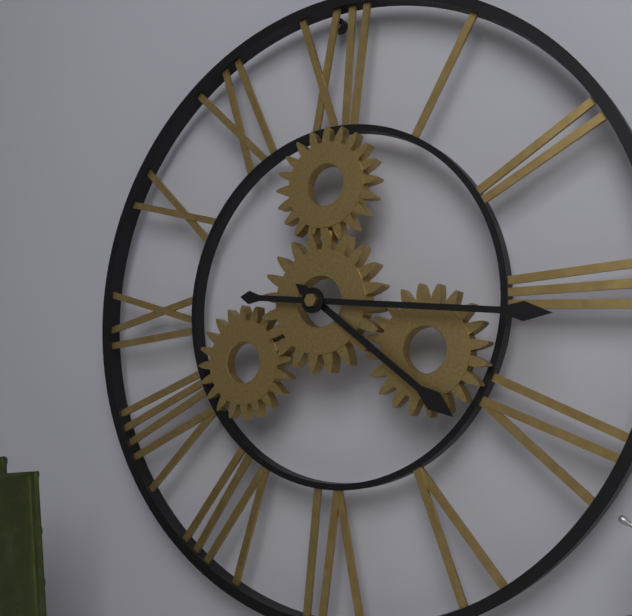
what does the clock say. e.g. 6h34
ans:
4h16
